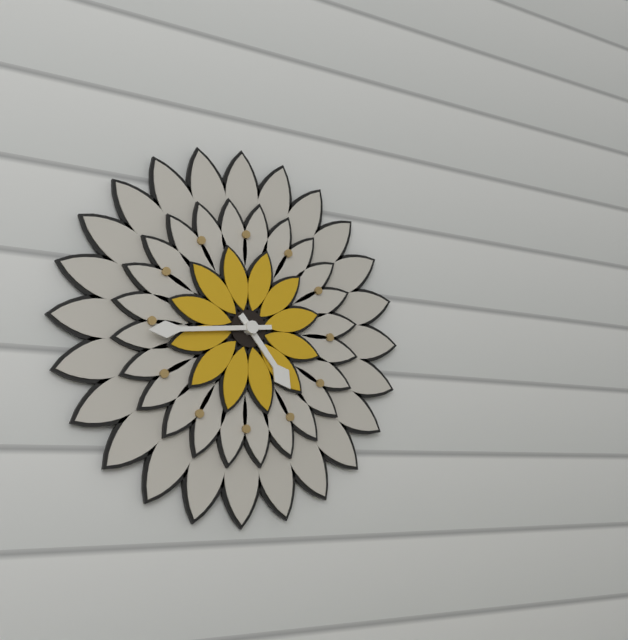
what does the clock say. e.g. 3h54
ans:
4h44
